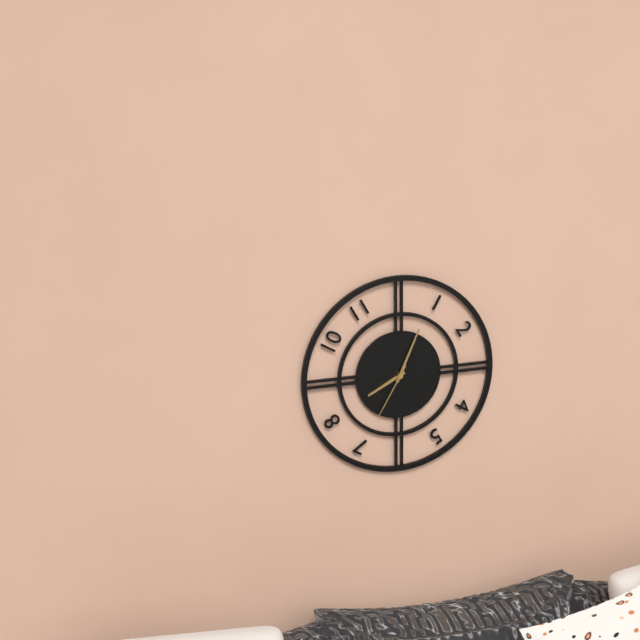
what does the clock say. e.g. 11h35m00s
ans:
8h04m35s
